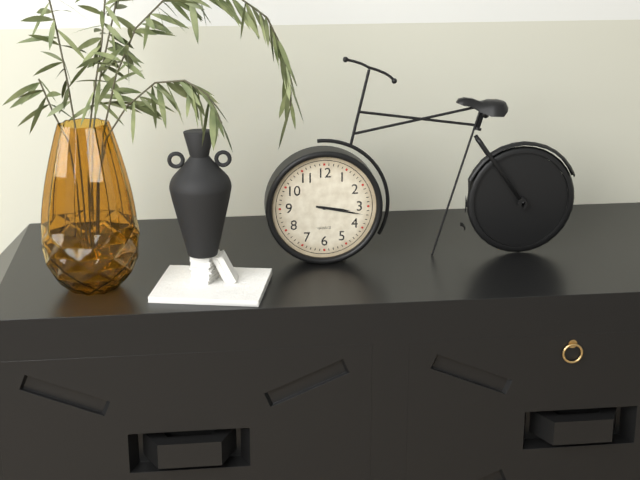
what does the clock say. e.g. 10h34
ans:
3h17
